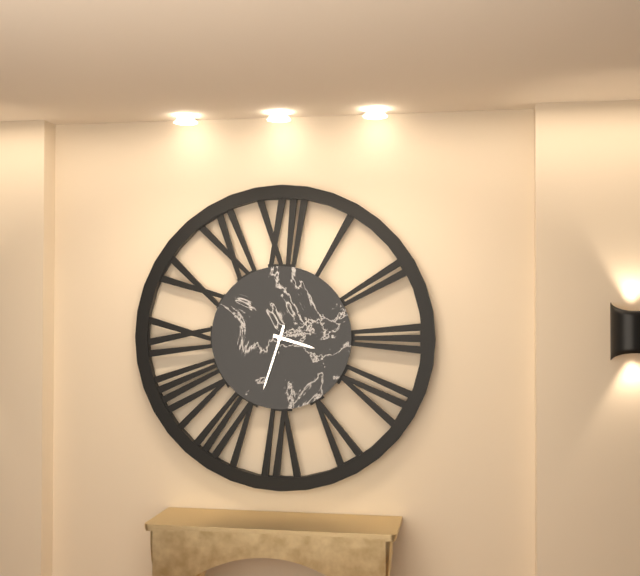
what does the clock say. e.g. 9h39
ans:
3h33
